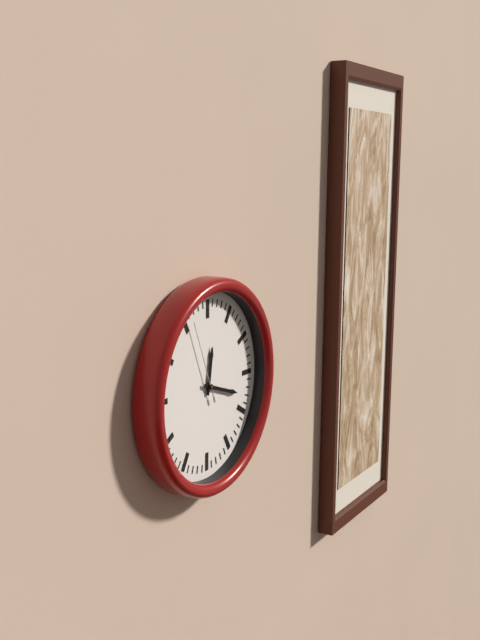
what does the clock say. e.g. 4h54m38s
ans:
12h18m56s
